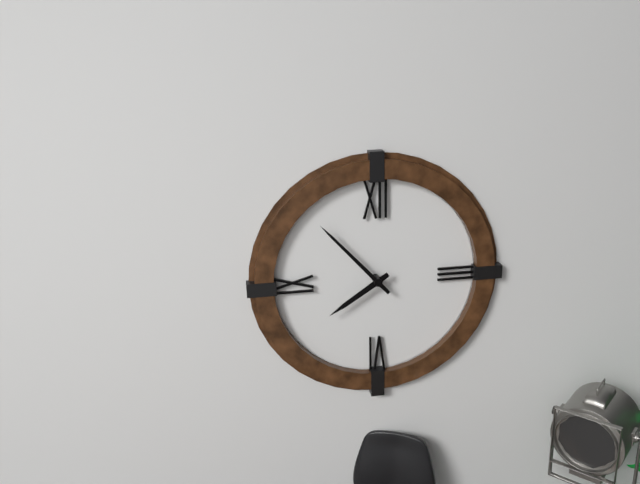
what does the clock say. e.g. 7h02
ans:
7h53
